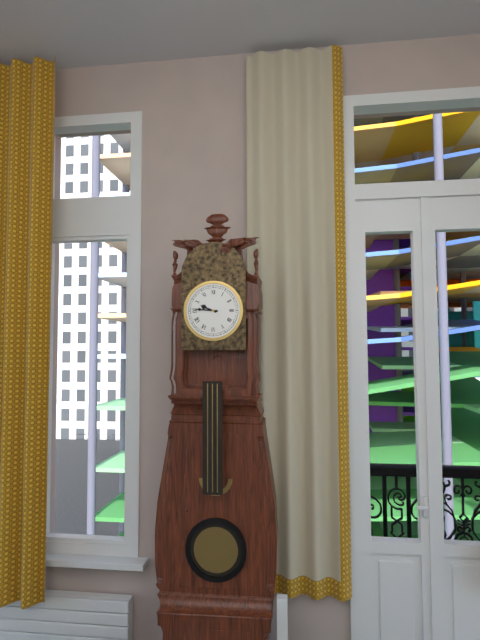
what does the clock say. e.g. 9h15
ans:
9h46
